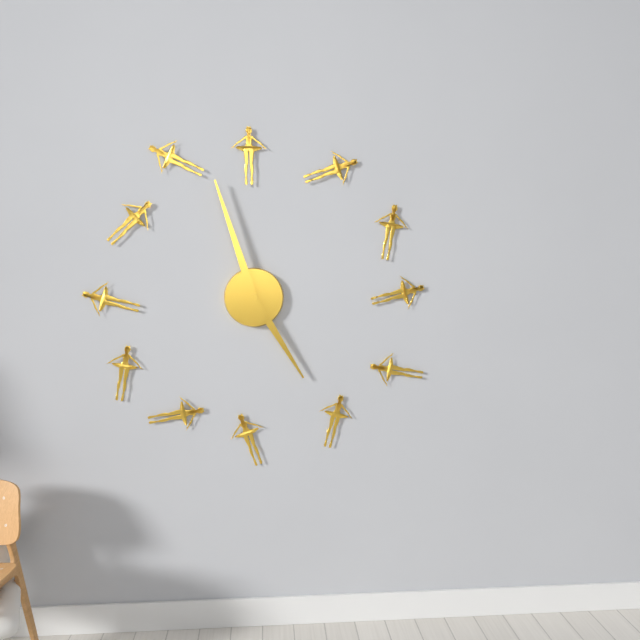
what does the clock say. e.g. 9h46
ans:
4h57
